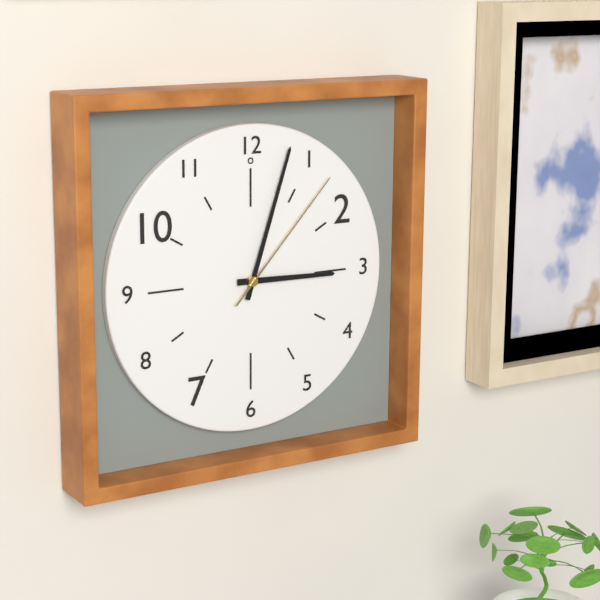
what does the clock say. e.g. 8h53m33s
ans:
3h03m07s
